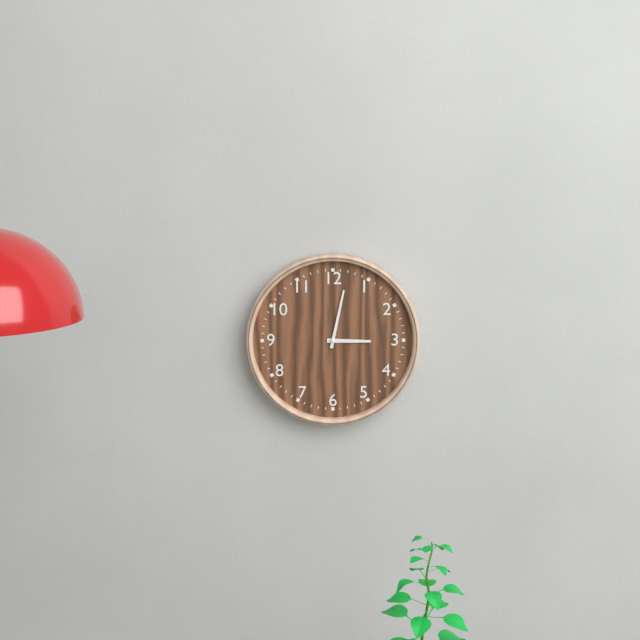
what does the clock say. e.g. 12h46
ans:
3h02
